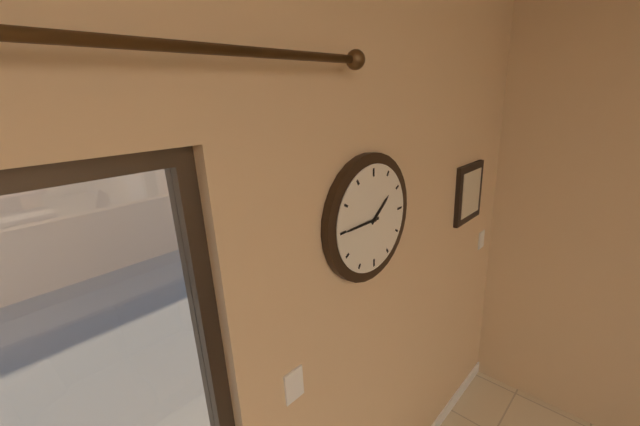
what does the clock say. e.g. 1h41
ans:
1h45
